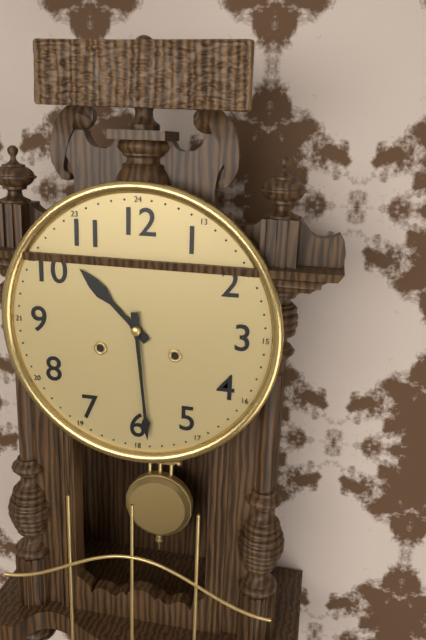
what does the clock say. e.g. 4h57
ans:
10h29
